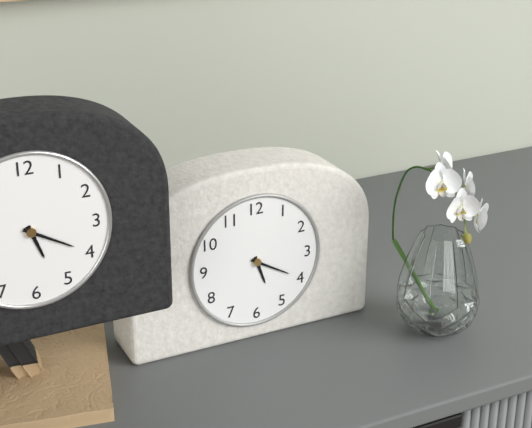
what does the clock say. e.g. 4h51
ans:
5h20
